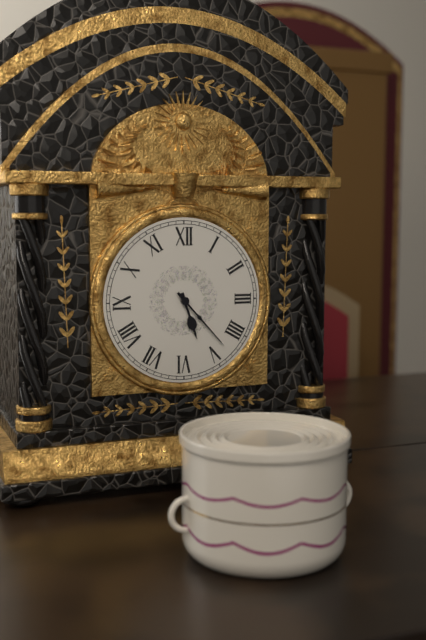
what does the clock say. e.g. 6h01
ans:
5h23
